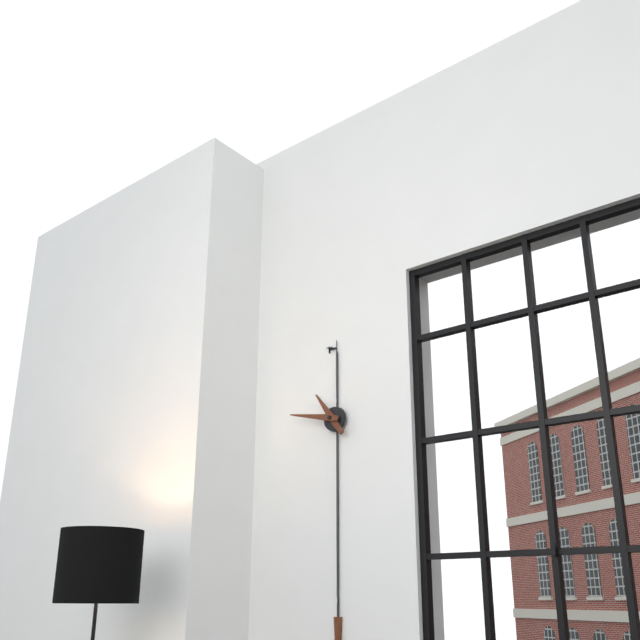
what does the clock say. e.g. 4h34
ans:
10h47
